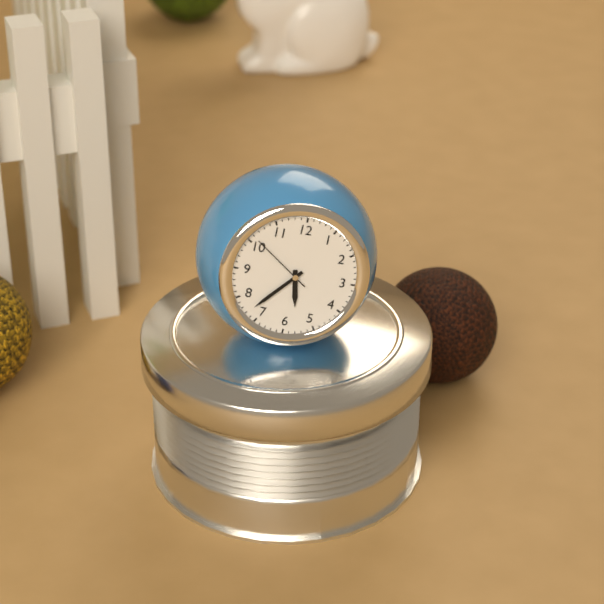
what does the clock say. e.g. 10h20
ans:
5h37
